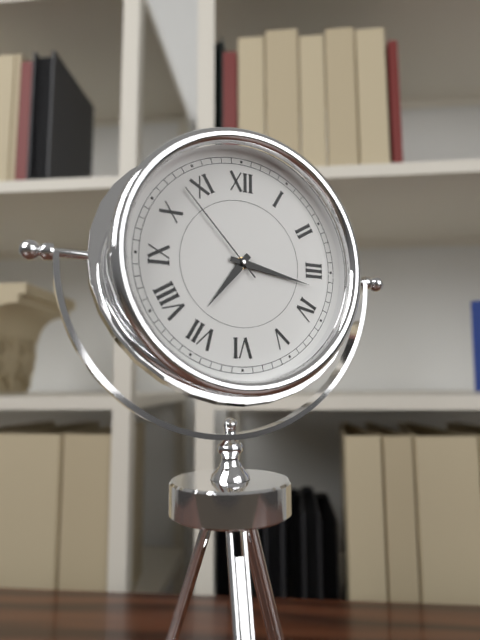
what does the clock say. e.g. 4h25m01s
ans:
7h17m53s
